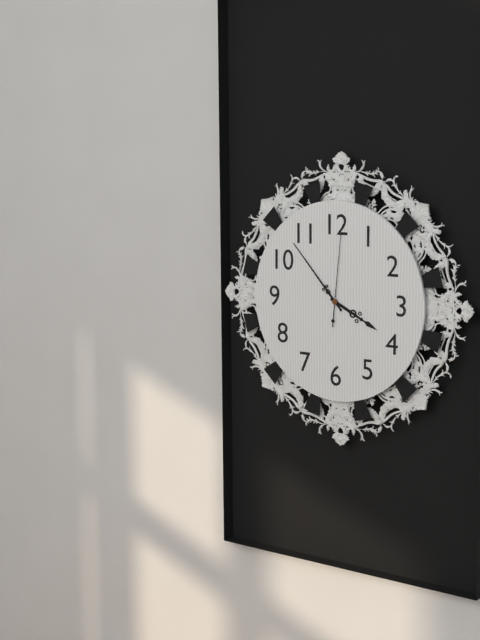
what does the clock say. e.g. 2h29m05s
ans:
3h53m01s
